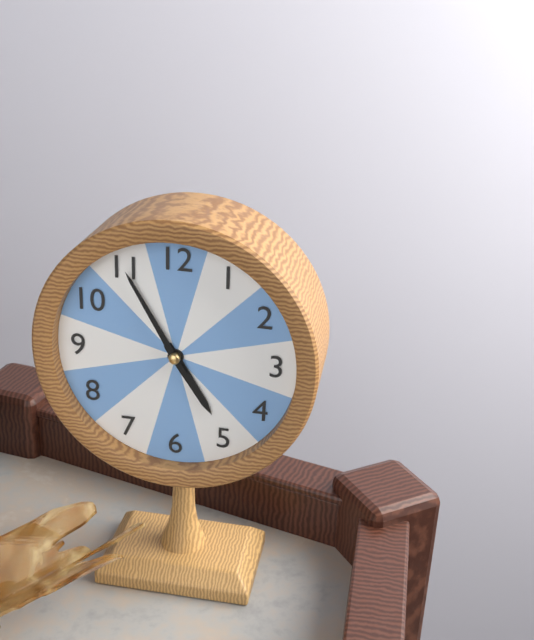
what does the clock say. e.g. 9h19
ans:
4h55
